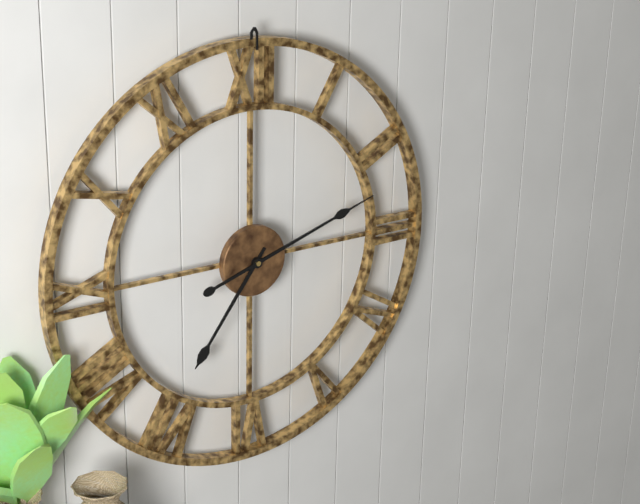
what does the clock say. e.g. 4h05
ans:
7h12
